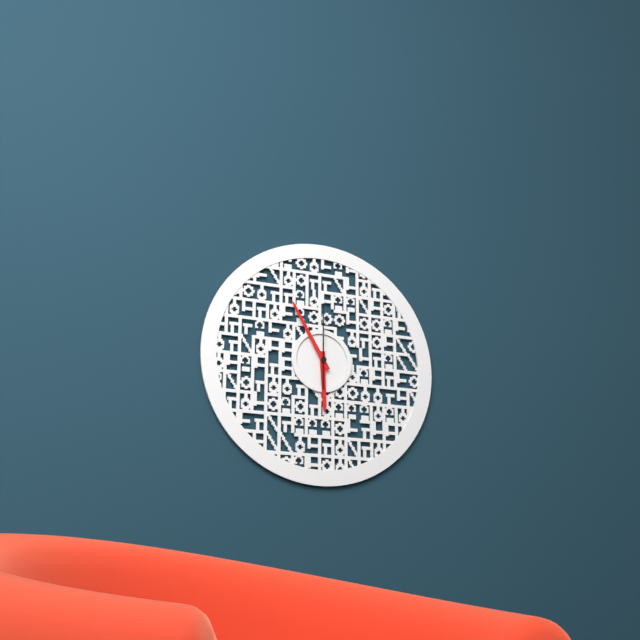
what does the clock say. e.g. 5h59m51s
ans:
5h55m00s
